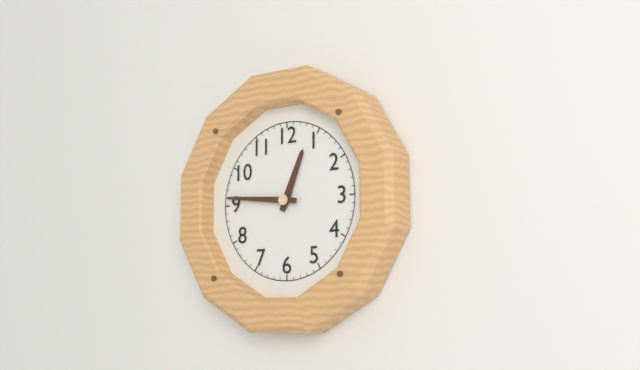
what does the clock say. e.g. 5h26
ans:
12h46
